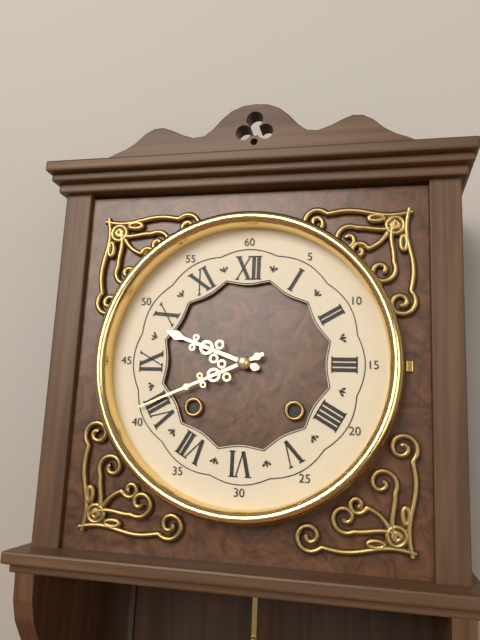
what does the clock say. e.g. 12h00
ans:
9h41
